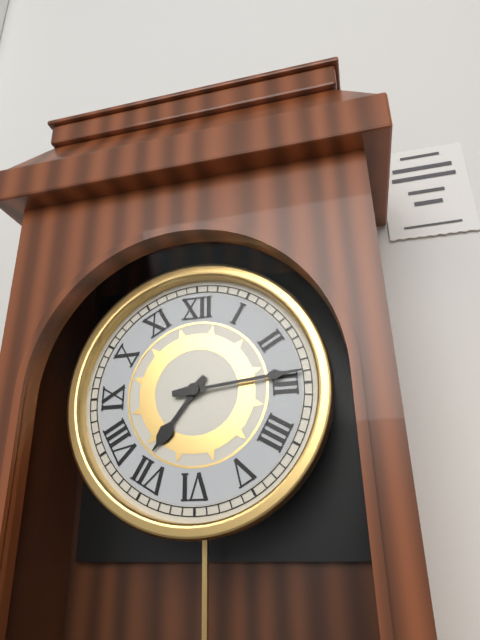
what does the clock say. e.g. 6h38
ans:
7h14
